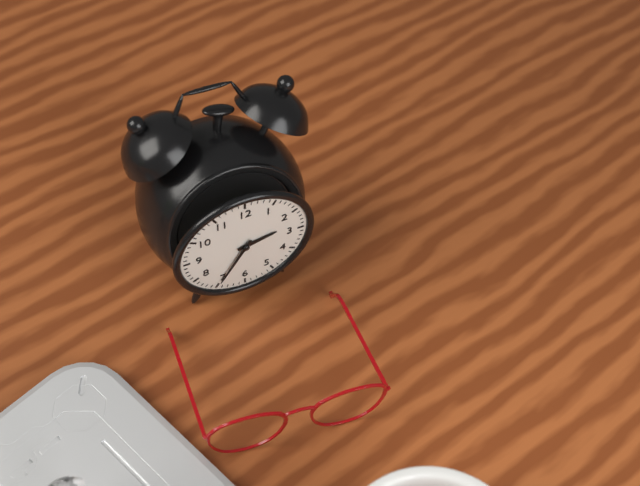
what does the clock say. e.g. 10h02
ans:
2h35
